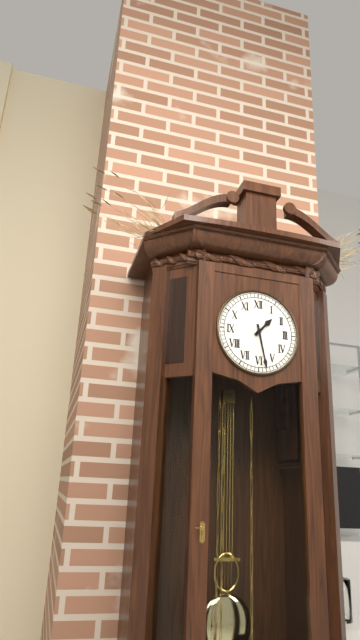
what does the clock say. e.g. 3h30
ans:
1h28
